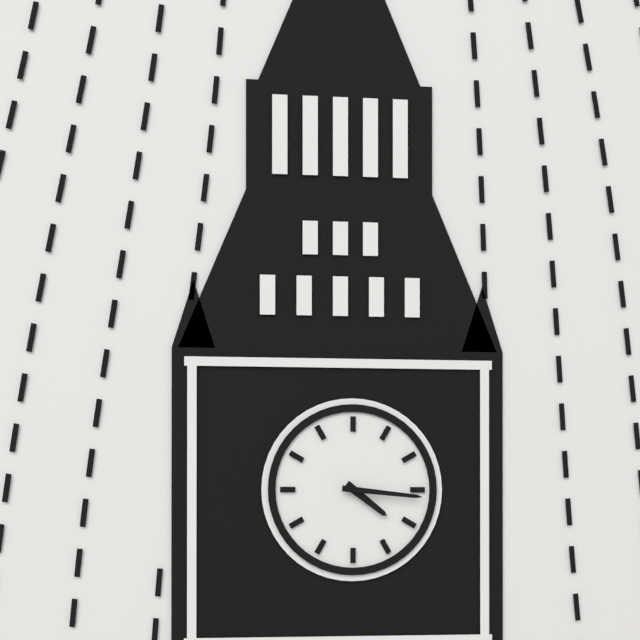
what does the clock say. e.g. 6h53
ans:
4h16
